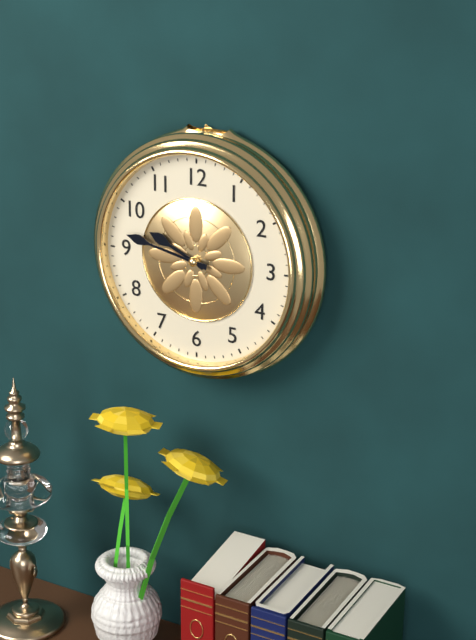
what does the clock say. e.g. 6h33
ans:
9h47
